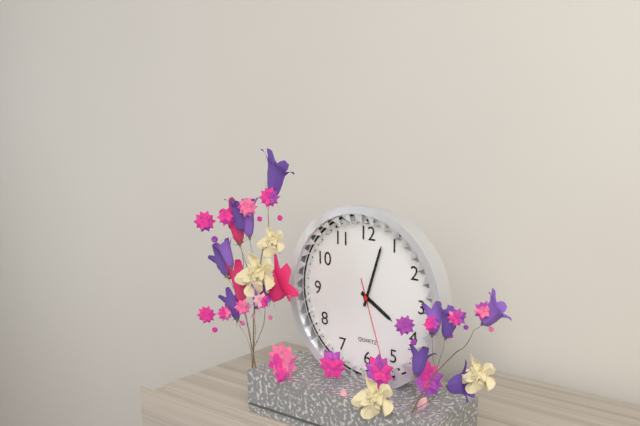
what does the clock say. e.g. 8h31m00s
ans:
4h03m27s
